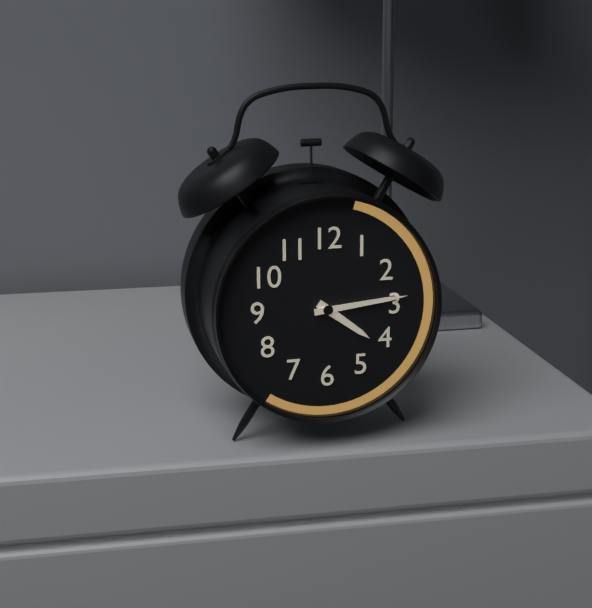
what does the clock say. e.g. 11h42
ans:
4h14
